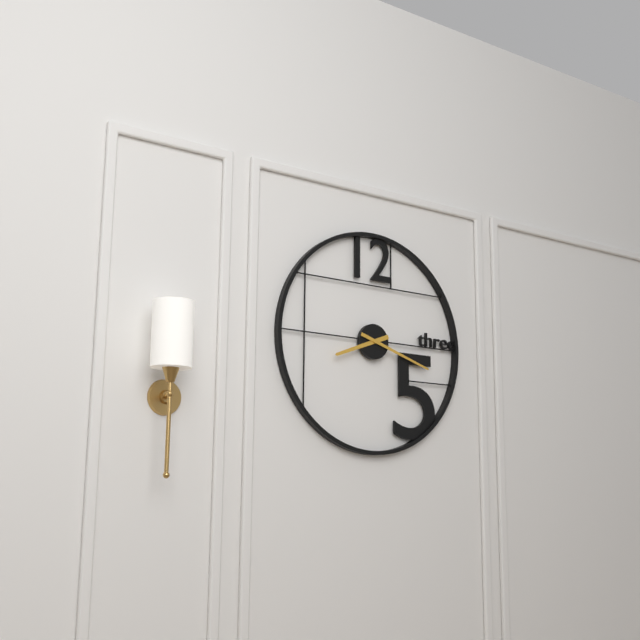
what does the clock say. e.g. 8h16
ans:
8h18
